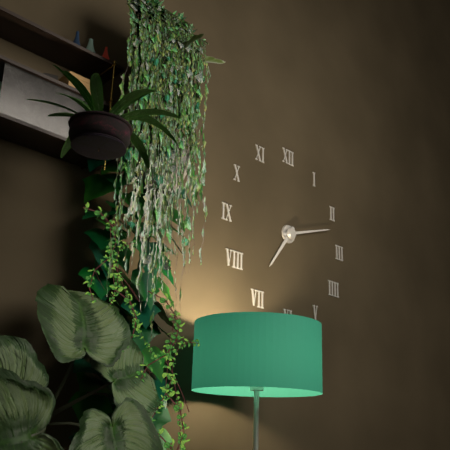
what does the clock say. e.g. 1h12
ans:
7h12
